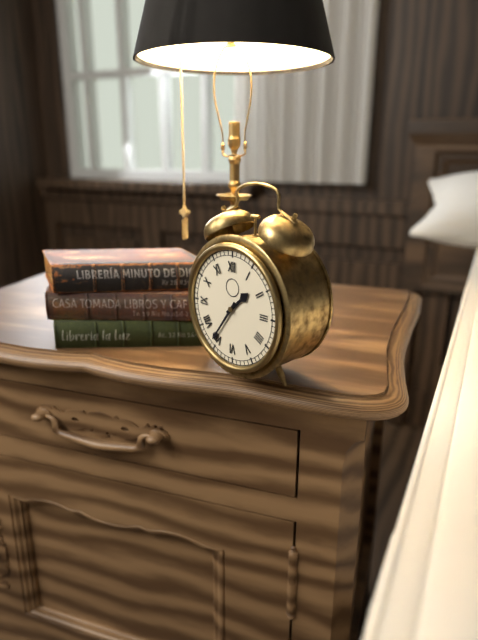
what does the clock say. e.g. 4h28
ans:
1h36
